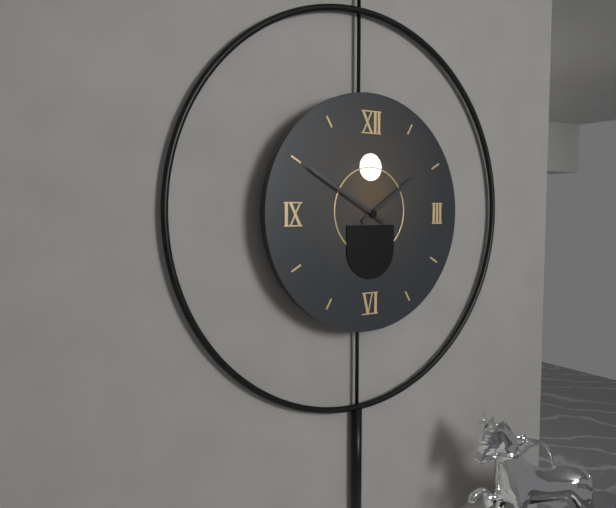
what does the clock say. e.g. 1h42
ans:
1h50
